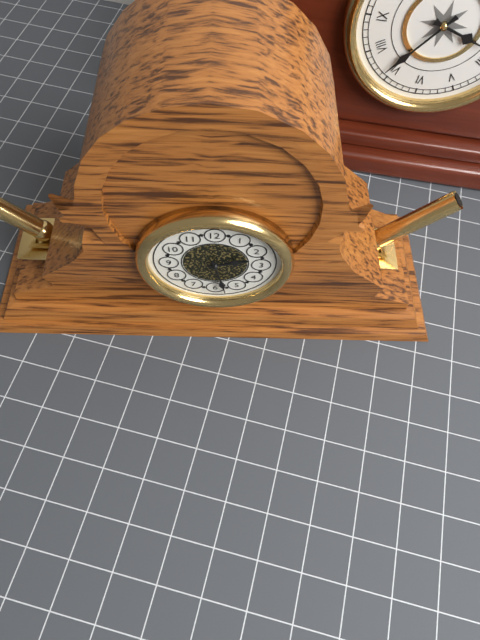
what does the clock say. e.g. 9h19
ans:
2h28
